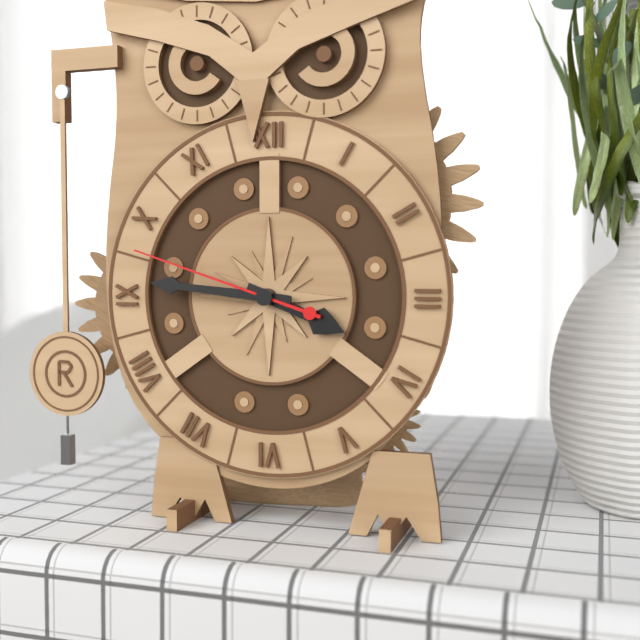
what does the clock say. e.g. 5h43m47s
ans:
3h46m48s
